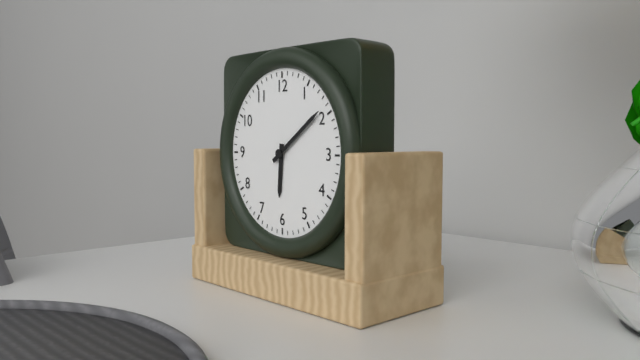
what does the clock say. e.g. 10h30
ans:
6h09
